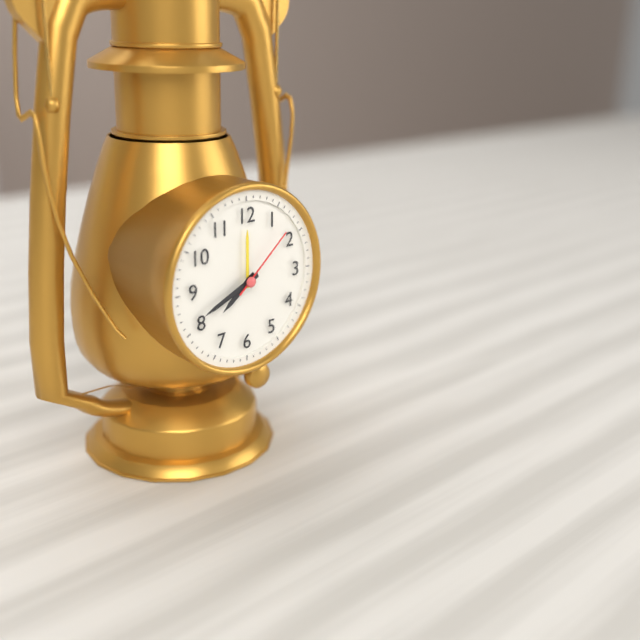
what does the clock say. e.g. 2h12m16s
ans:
7h41m08s
